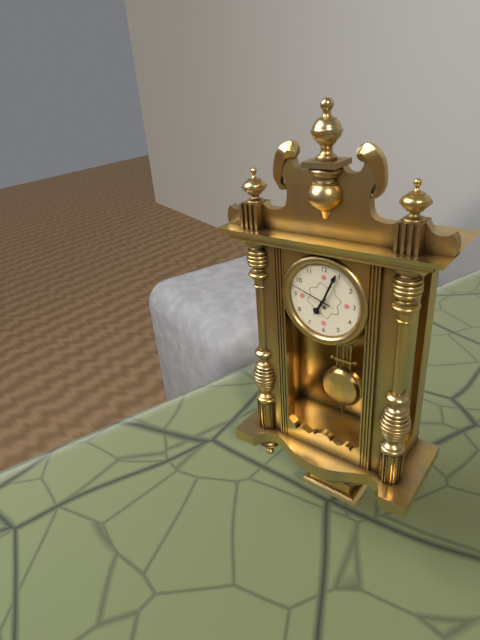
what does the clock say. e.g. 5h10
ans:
7h04
